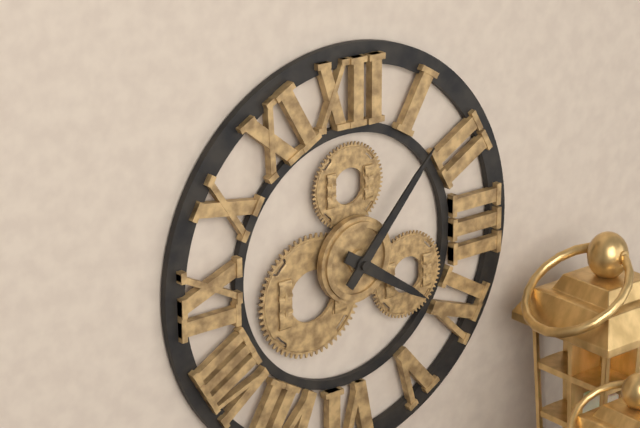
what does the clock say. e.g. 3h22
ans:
4h07
